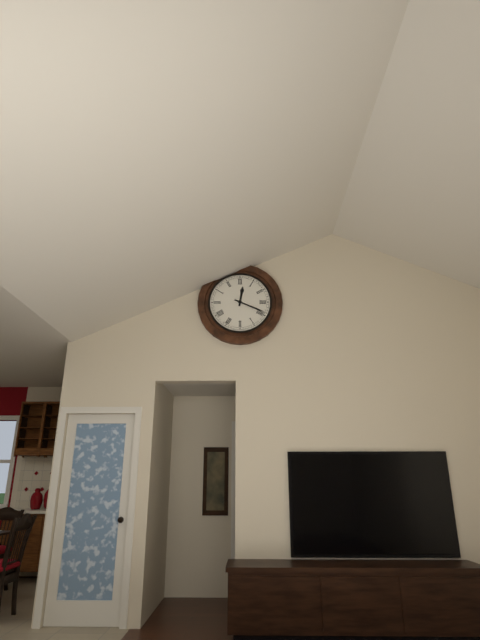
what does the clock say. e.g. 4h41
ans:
12h19
